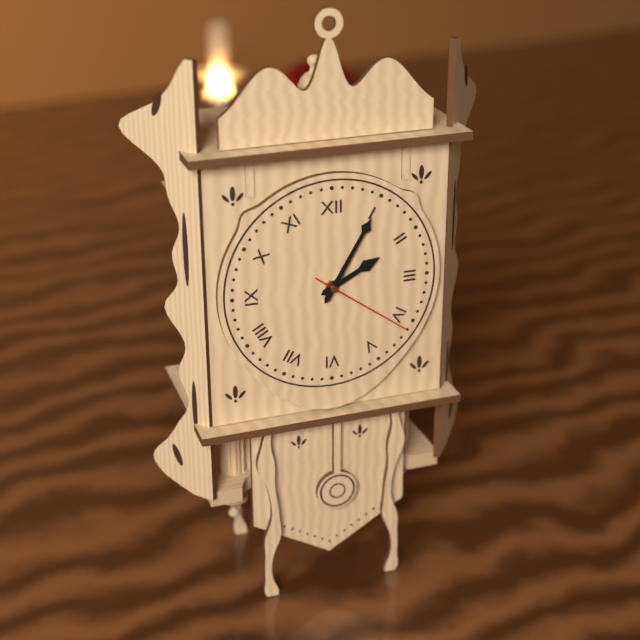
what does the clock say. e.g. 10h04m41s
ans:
2h05m21s
